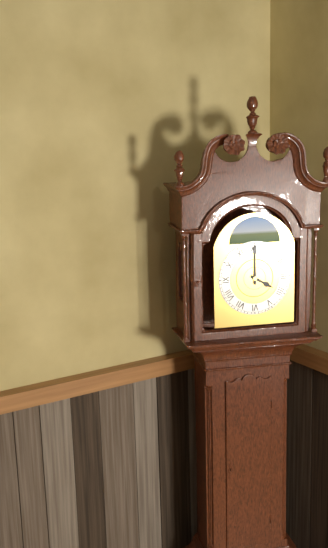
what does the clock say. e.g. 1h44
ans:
4h00
